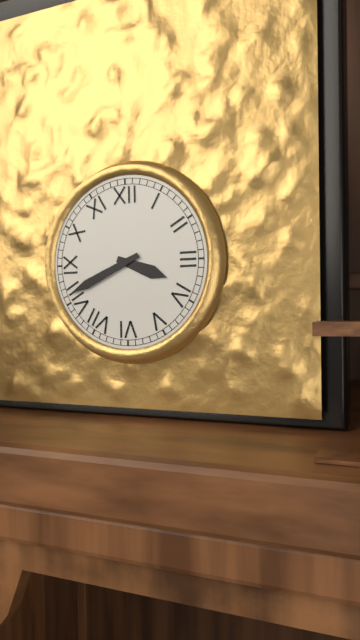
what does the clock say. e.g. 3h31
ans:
3h41
